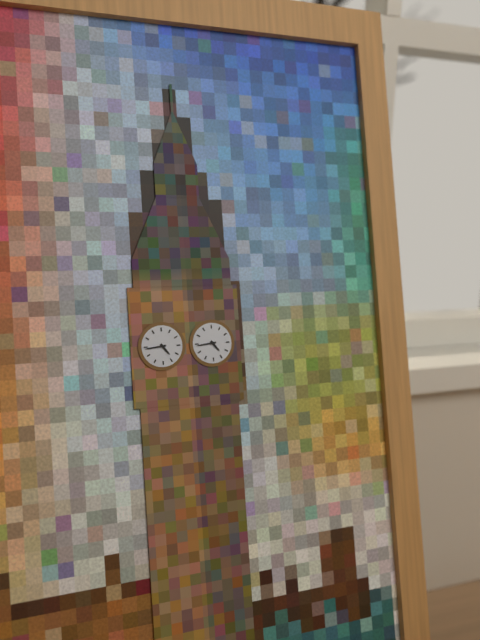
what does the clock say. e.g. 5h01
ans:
4h44
